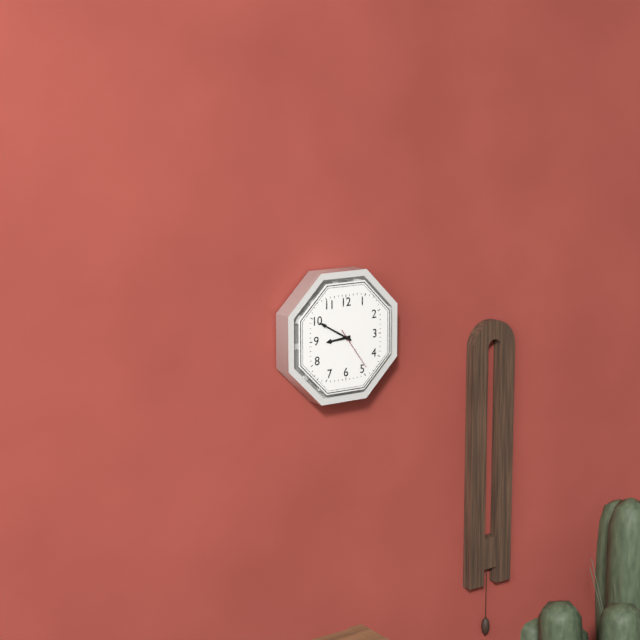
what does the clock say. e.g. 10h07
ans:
8h50
